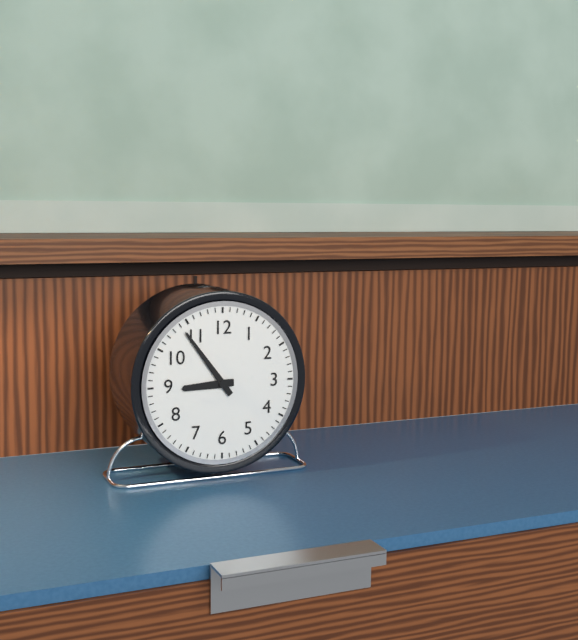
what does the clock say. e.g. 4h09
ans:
8h54
